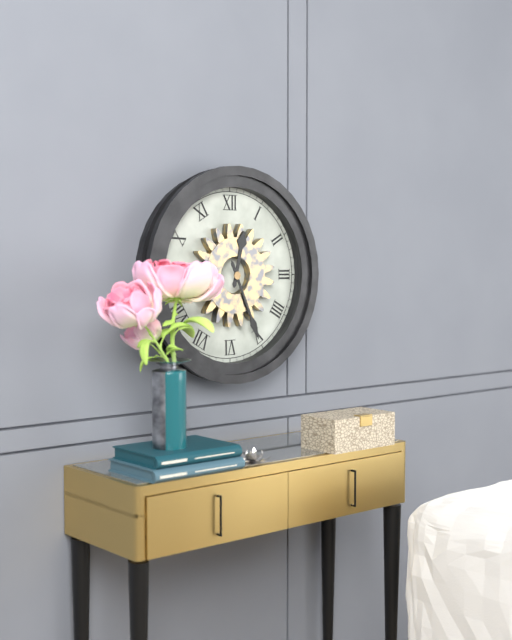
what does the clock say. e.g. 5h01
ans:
12h26
